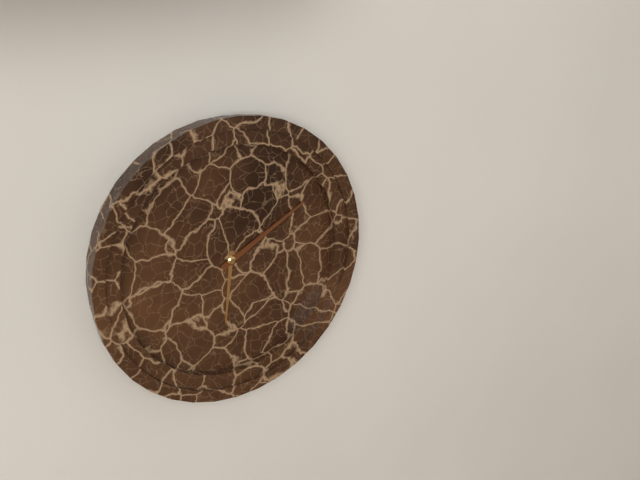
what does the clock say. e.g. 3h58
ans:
6h10
